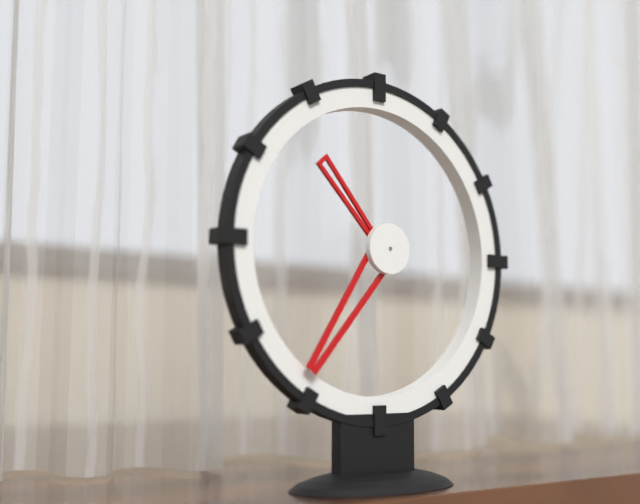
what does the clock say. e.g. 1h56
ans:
10h36
